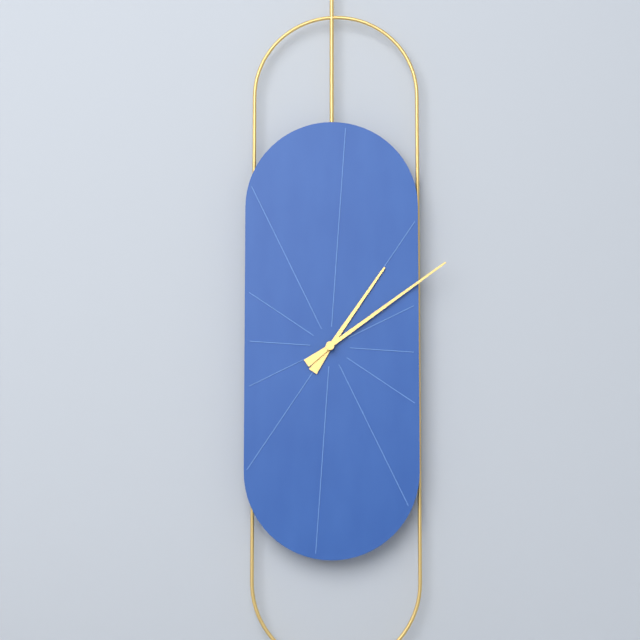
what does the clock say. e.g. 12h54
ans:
1h09
